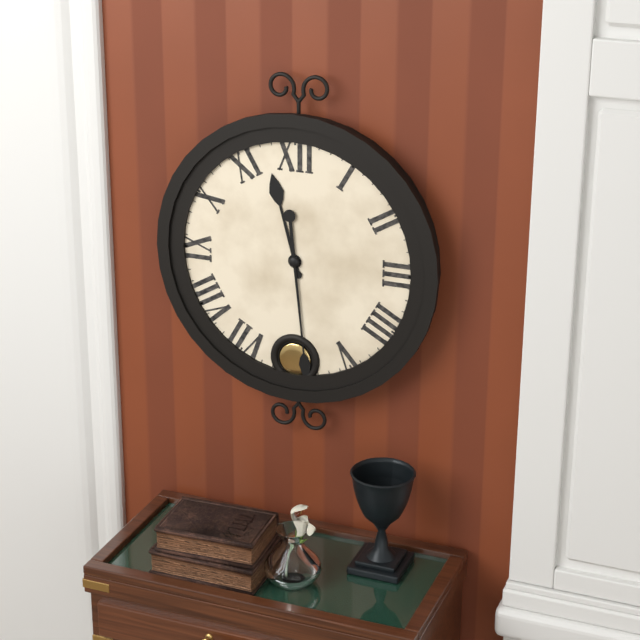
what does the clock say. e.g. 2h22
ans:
11h29
